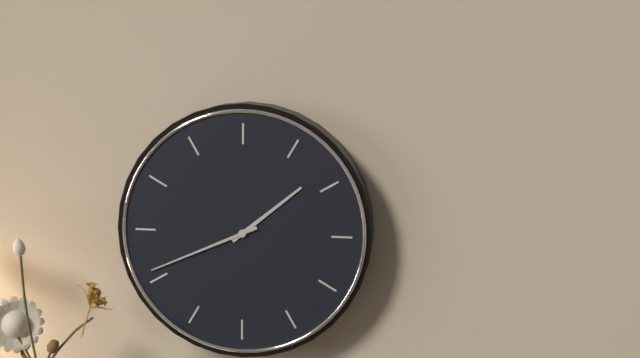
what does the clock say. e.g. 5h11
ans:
1h41
